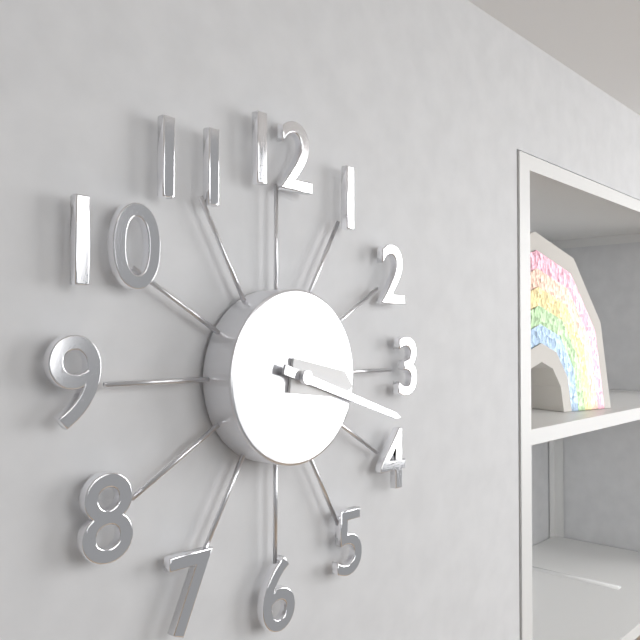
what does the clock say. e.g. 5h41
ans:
3h18
